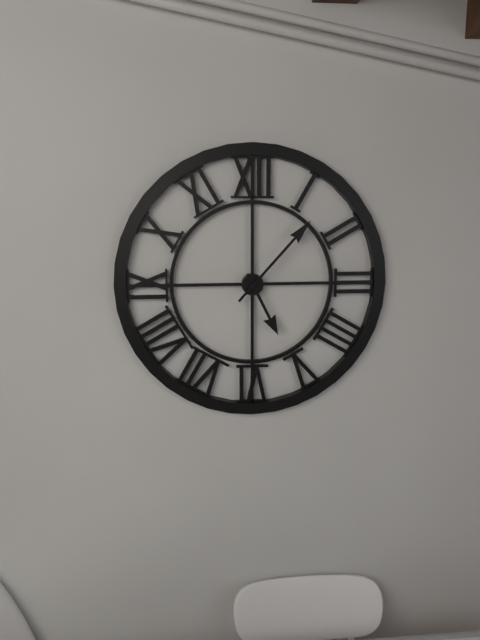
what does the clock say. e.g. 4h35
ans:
5h07
